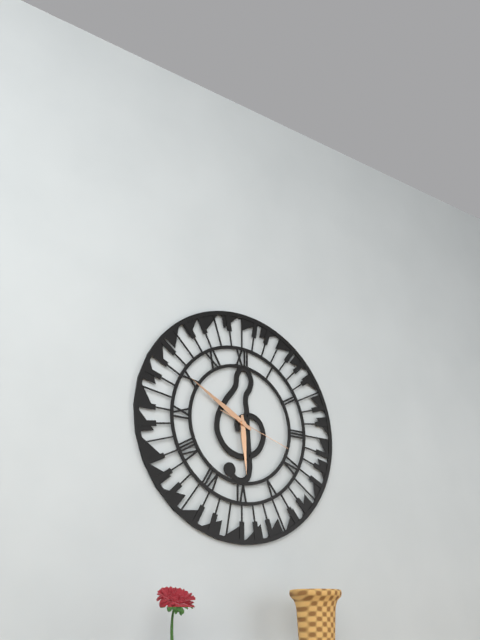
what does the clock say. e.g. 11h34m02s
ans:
5h50m18s
